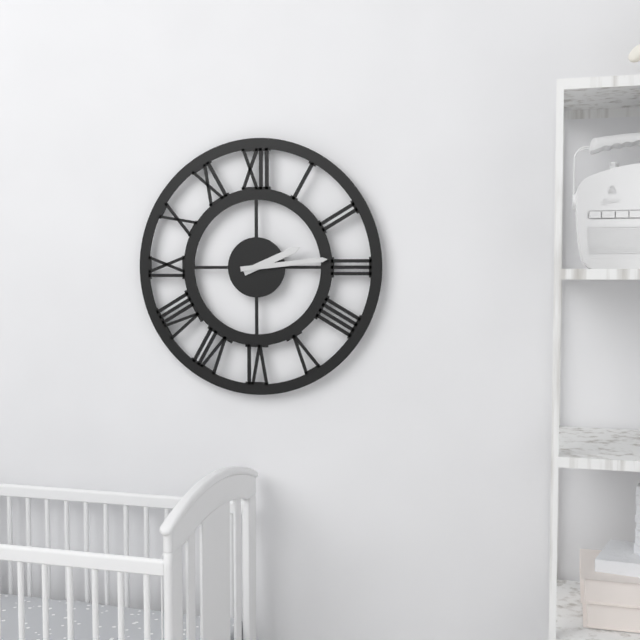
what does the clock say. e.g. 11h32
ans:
2h14
